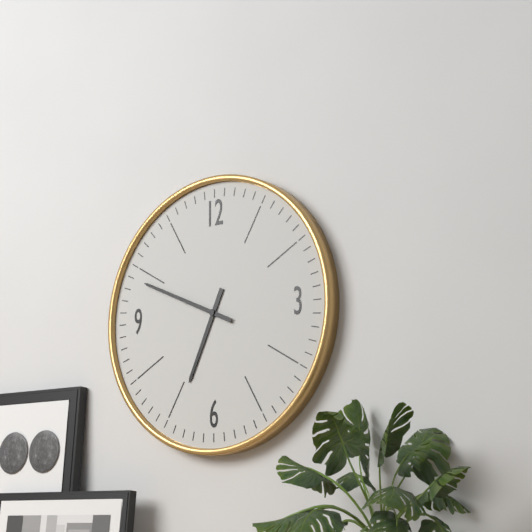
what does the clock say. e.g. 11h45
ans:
6h49
